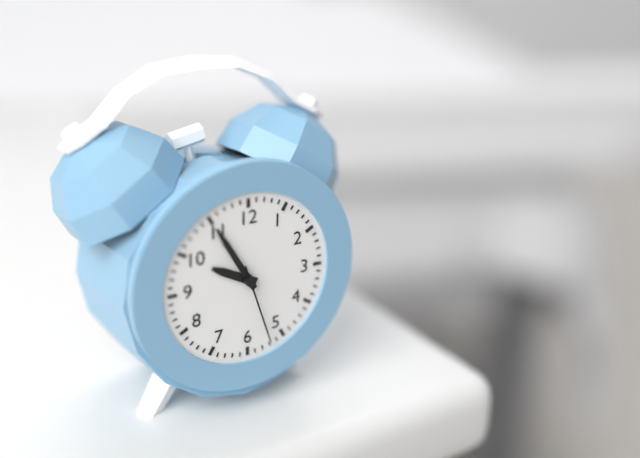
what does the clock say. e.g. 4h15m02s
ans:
9h55m27s
